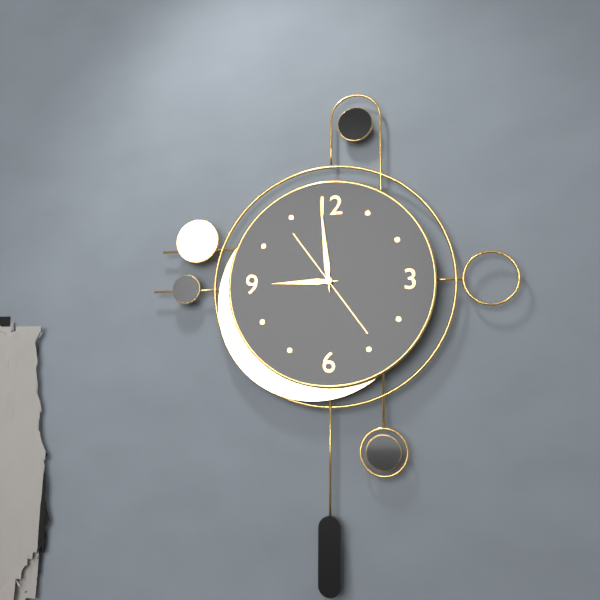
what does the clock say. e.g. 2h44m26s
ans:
8h59m24s
